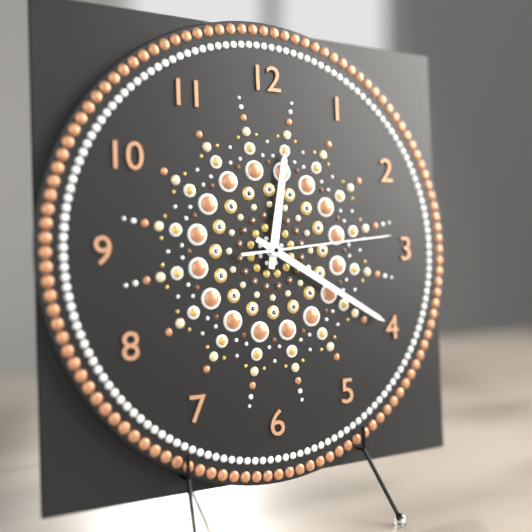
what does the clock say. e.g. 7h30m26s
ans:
12h20m14s
